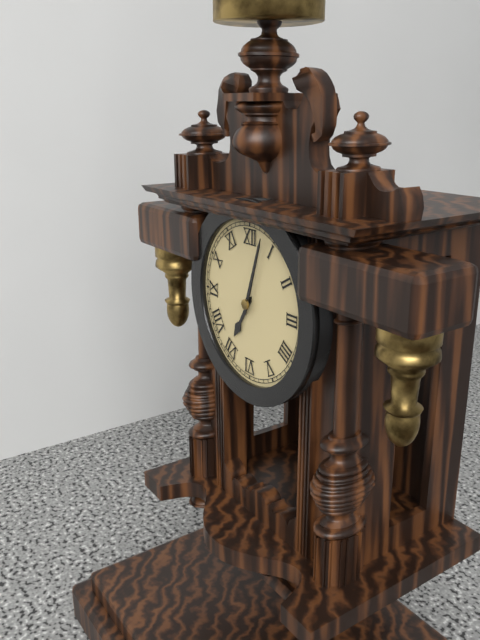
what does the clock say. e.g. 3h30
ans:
7h03
